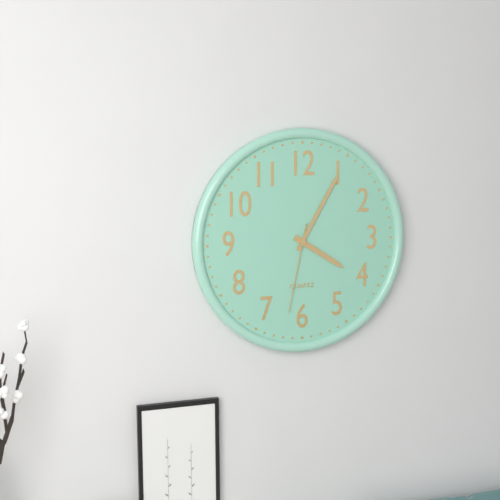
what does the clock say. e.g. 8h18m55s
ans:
4h05m32s
